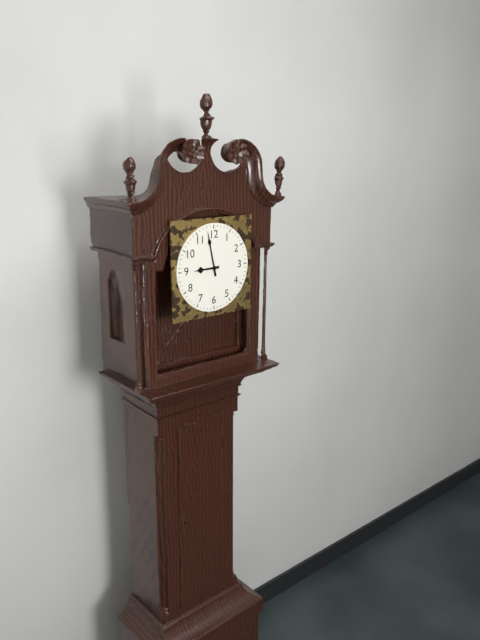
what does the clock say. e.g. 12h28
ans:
8h58
